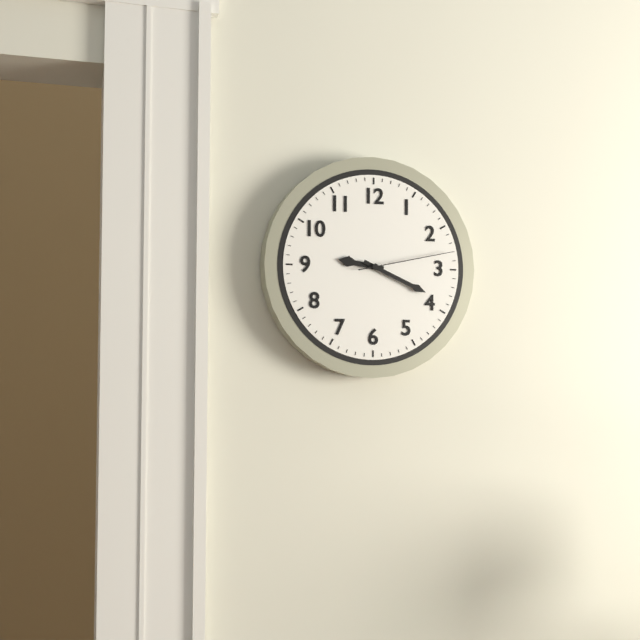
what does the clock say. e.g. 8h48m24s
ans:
9h19m13s
